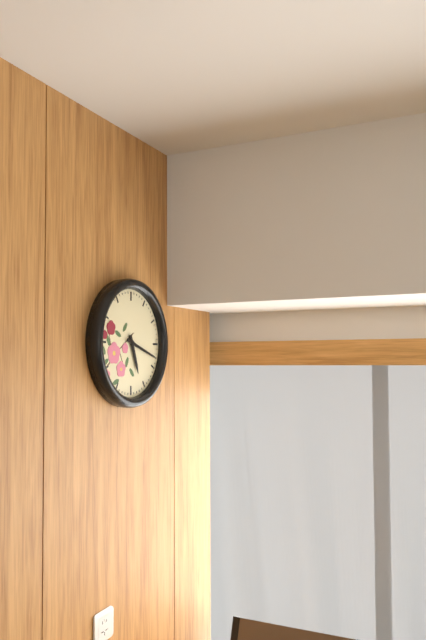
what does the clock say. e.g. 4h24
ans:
5h18
